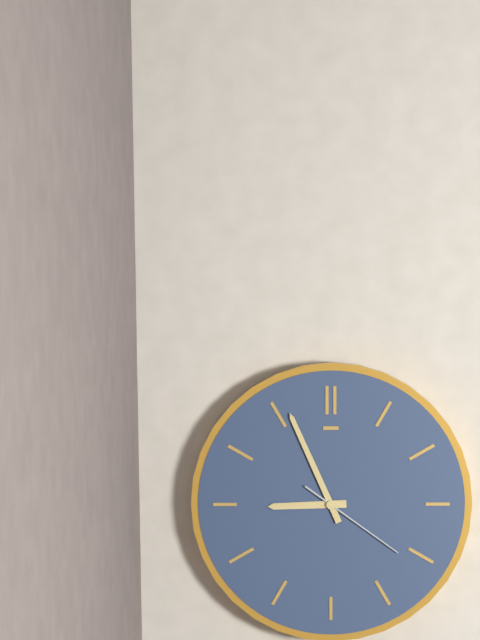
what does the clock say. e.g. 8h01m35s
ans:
8h56m21s
